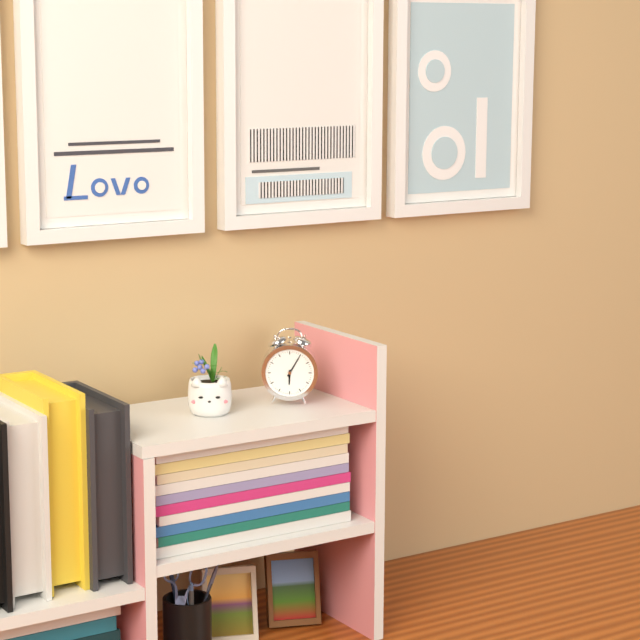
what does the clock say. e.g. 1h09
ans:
6h05
